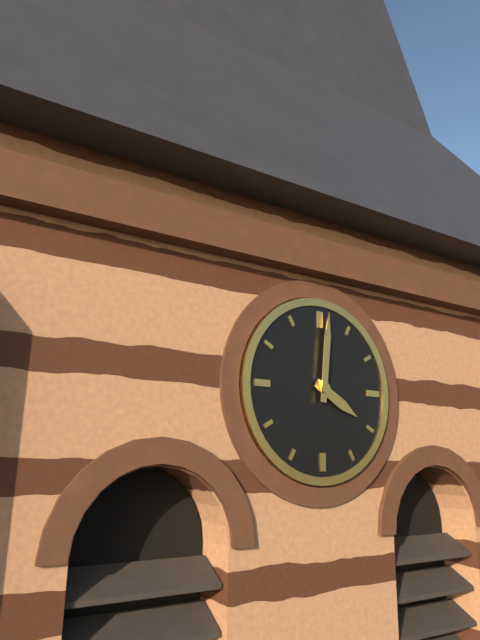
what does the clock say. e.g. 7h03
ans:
4h01
